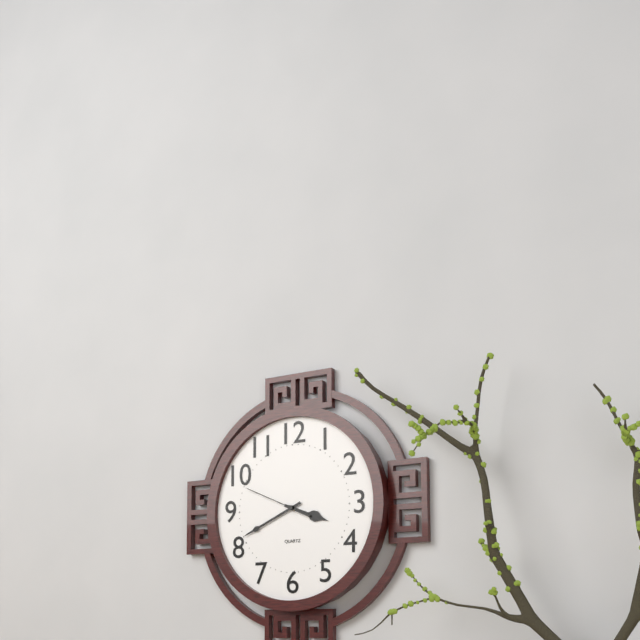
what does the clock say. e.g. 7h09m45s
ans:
3h41m49s
